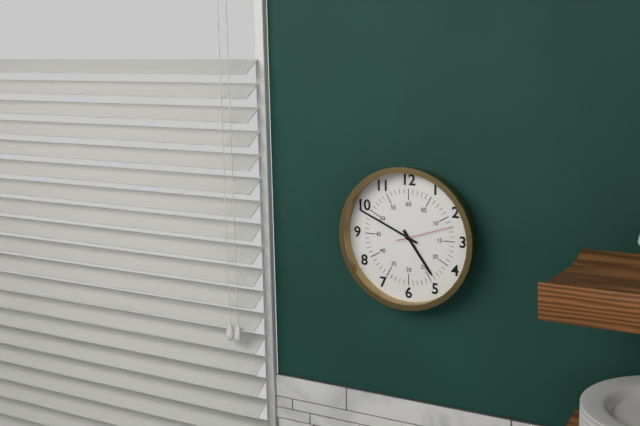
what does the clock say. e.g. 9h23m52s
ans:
4h49m12s
